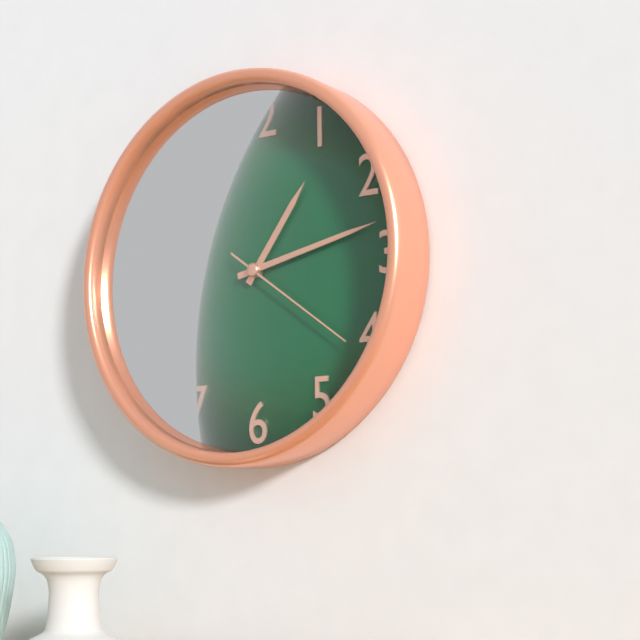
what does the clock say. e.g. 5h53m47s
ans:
1h13m21s
